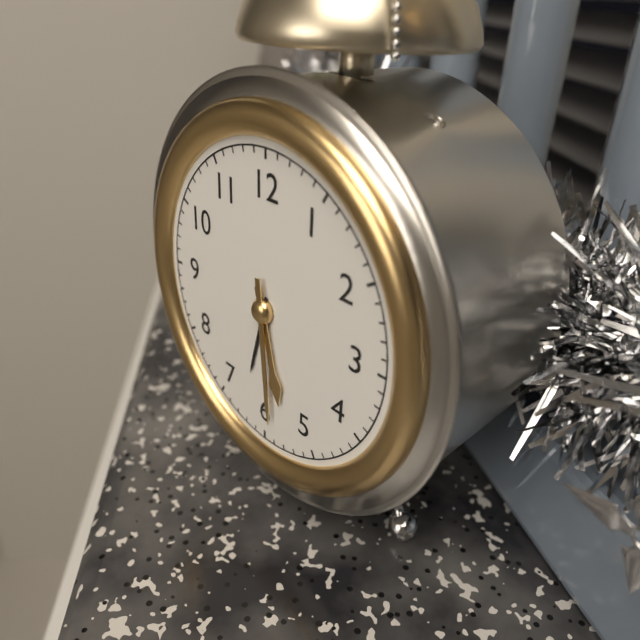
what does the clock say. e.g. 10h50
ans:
5h29
